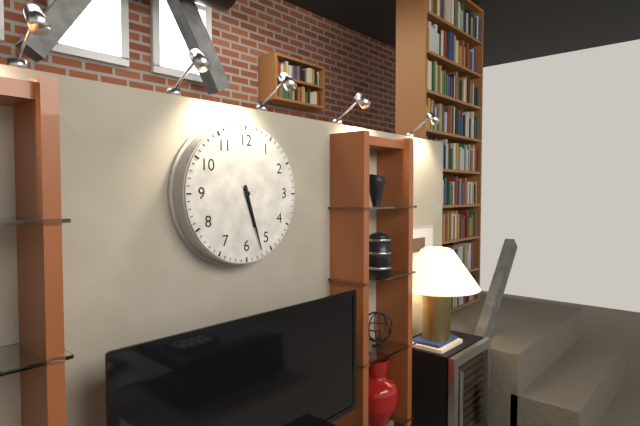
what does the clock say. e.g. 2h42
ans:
5h27
